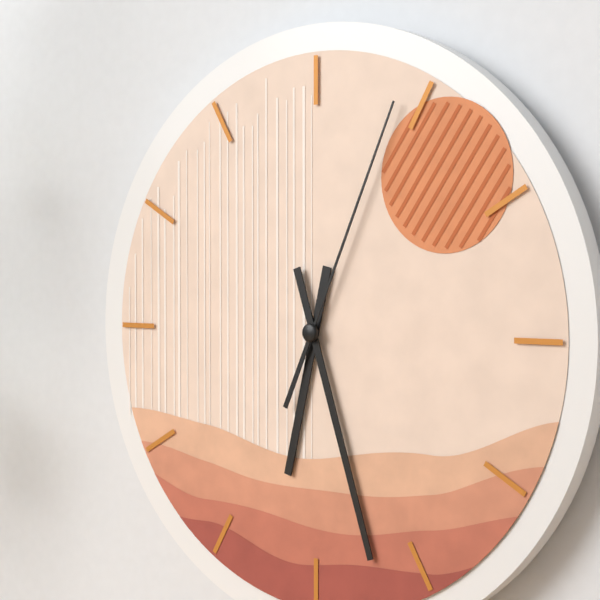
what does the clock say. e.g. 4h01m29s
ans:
6h27m04s
